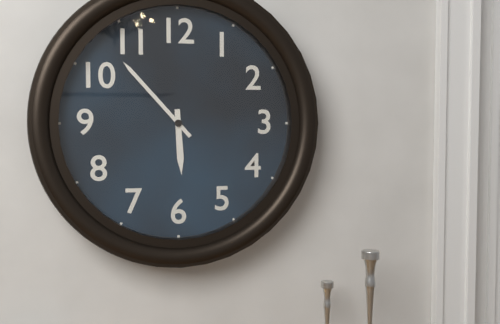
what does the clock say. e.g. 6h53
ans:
5h53
